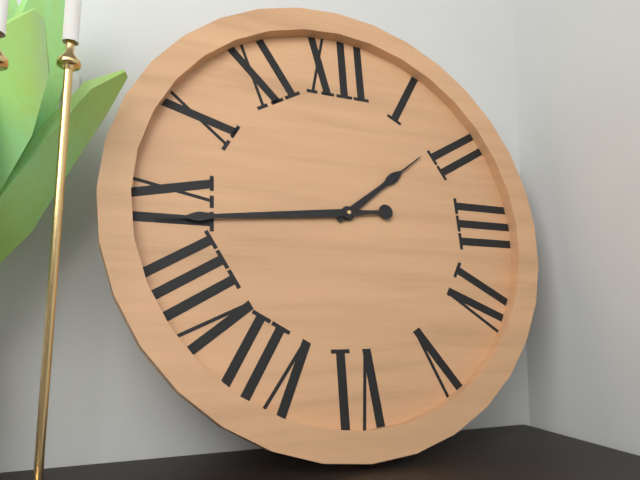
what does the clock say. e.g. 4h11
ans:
1h44
